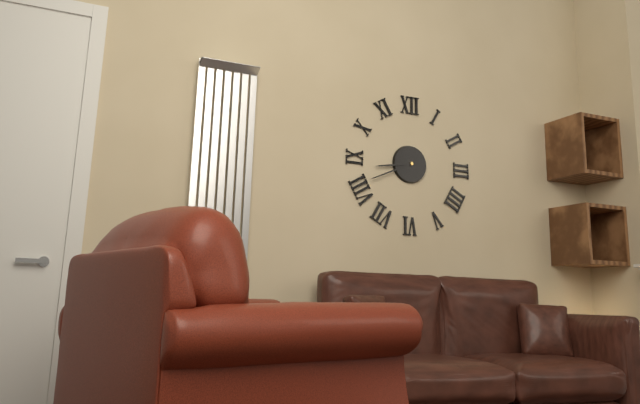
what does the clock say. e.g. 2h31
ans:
8h41
